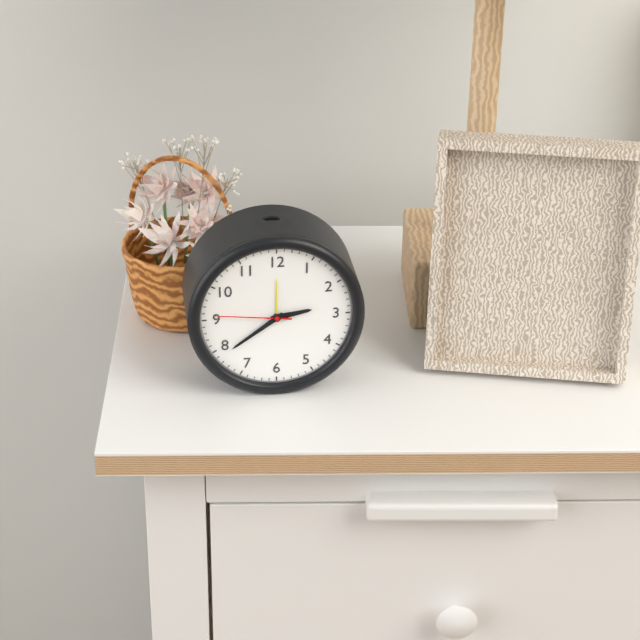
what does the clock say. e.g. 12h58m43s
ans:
2h39m46s
